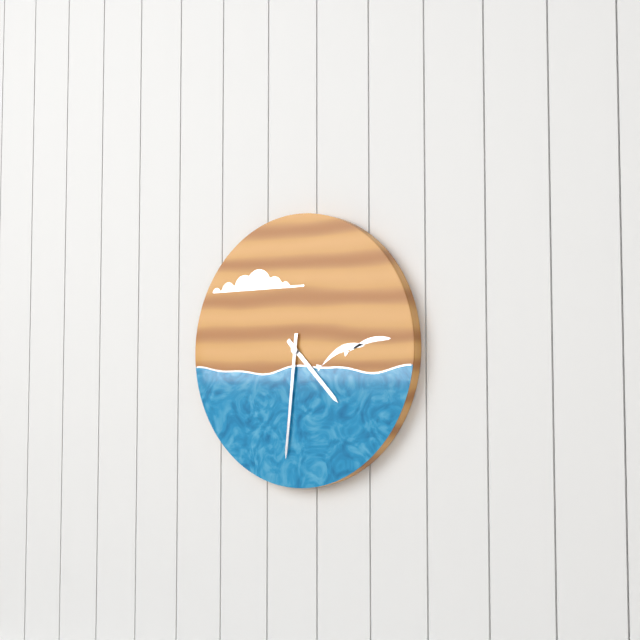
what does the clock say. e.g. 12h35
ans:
4h31
